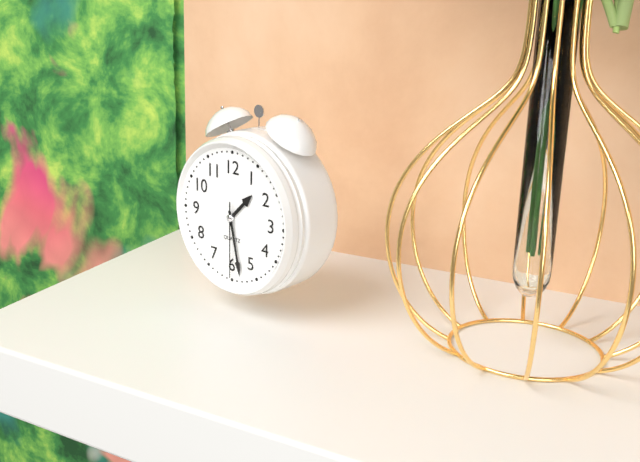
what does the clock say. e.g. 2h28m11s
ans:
1h28m30s
